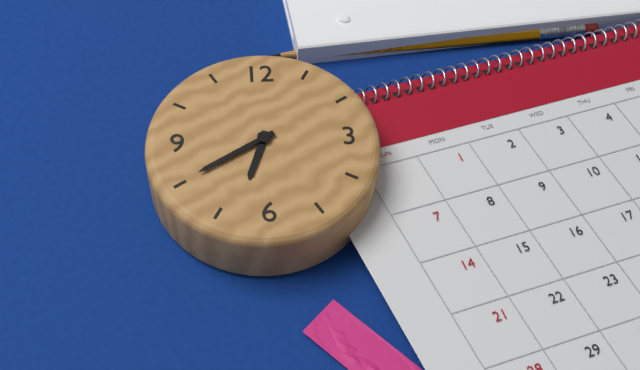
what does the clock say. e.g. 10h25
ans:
6h40
